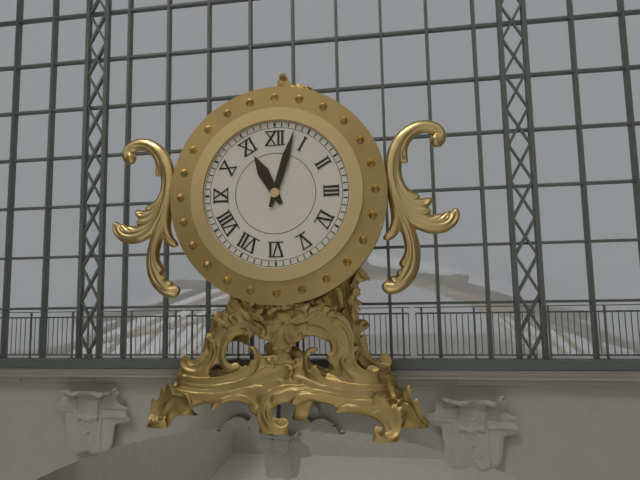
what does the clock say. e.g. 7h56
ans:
11h03
